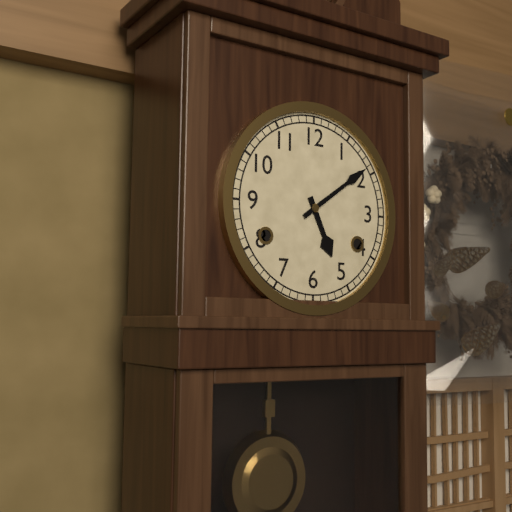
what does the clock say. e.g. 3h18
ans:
5h09
